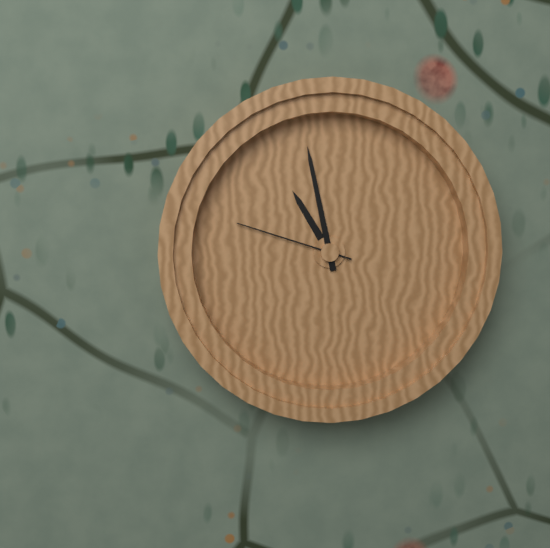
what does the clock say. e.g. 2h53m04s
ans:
10h58m48s
